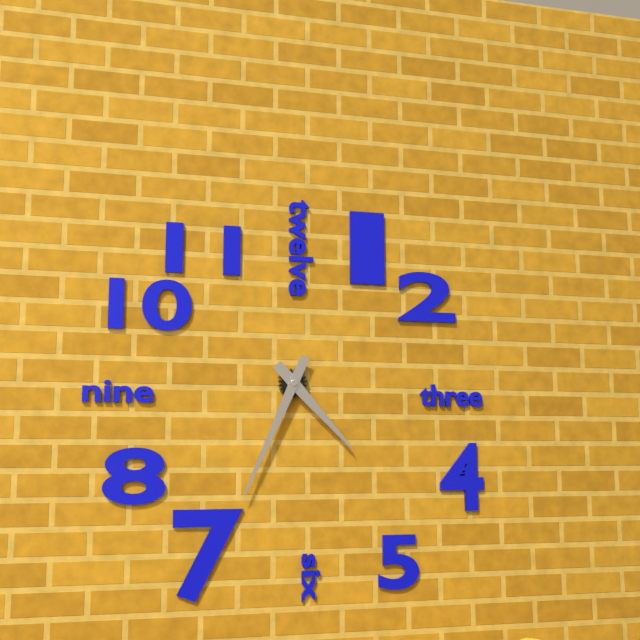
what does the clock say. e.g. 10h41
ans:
4h34
